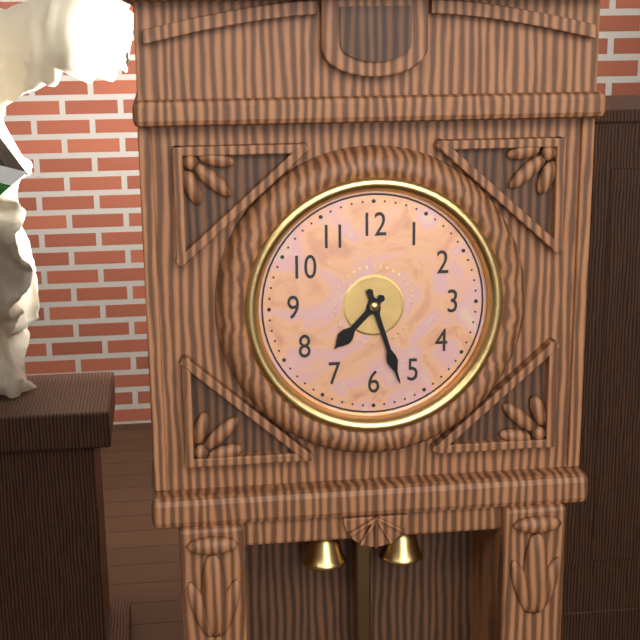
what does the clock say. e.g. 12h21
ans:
7h27
